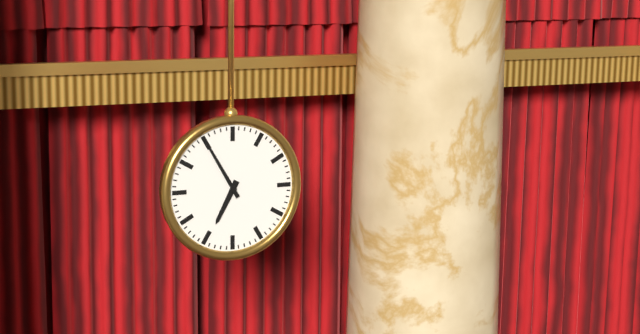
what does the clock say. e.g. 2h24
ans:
6h55
